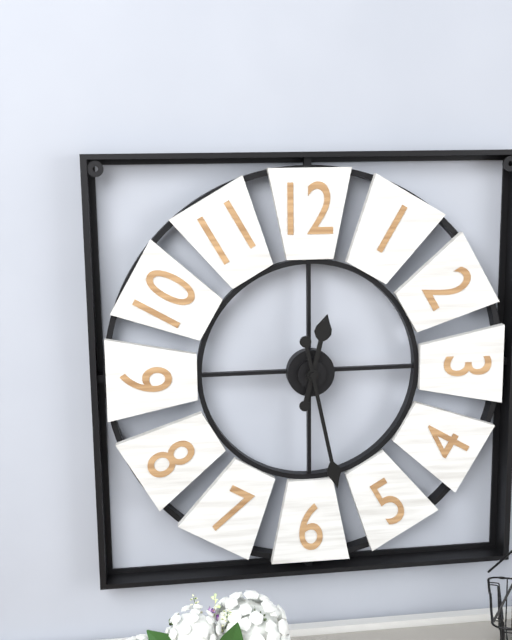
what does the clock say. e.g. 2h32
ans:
12h28
